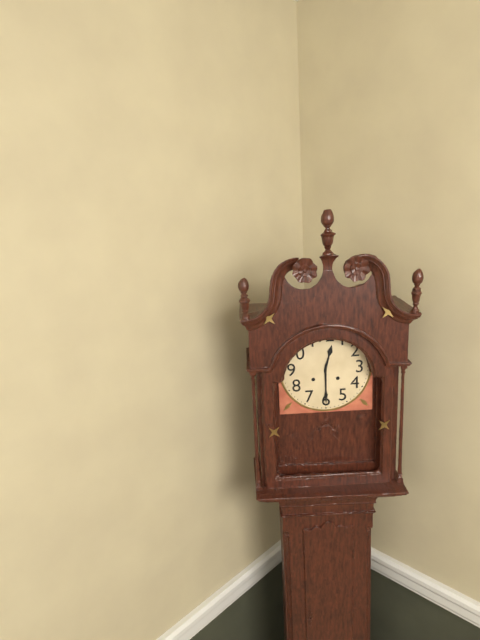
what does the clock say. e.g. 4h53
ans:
12h30
